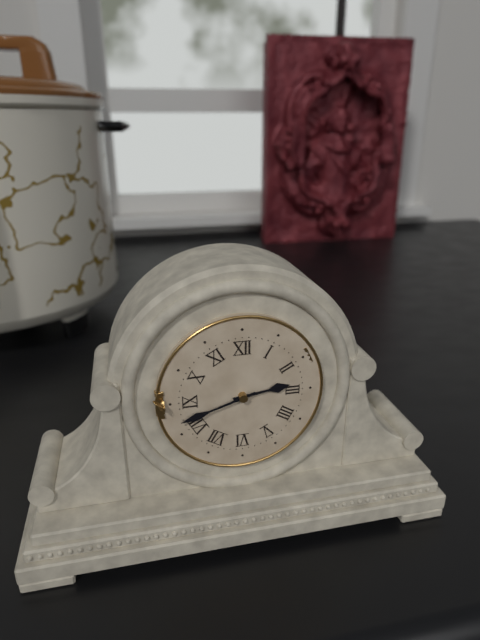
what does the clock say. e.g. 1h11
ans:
2h42
